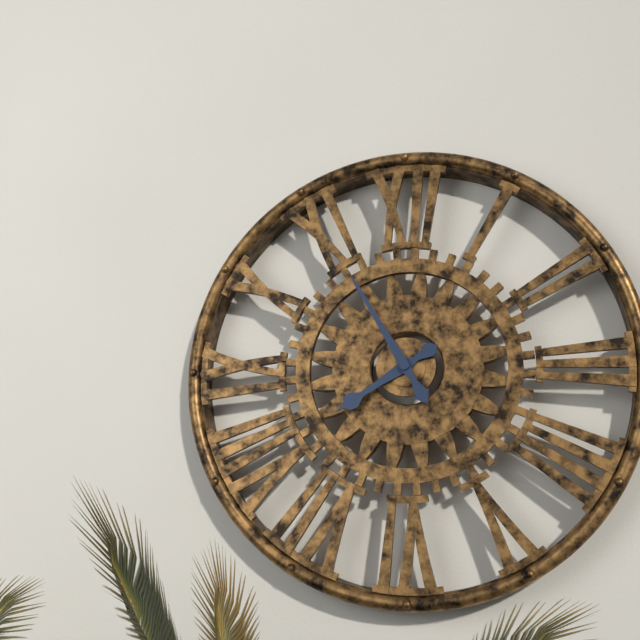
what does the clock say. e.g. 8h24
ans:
7h55
